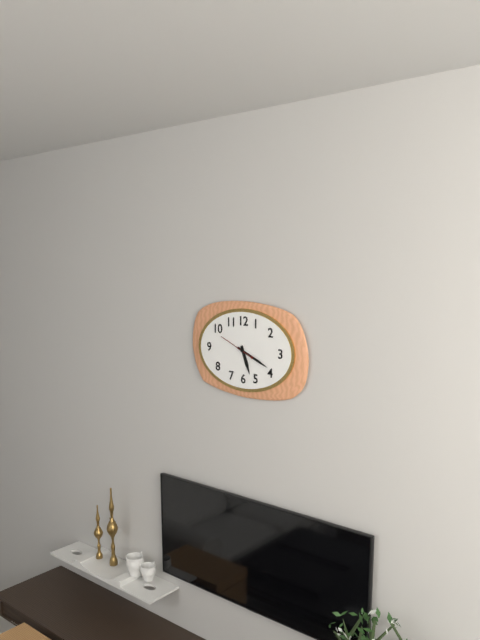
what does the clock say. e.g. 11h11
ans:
5h19
